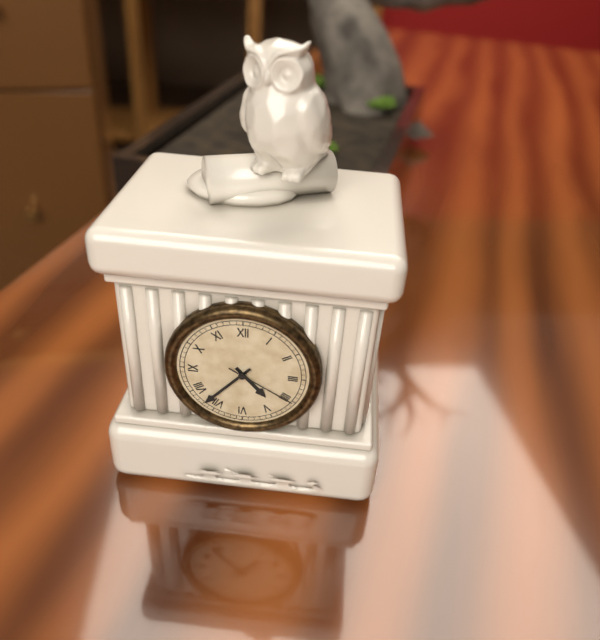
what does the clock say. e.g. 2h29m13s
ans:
4h37m20s
